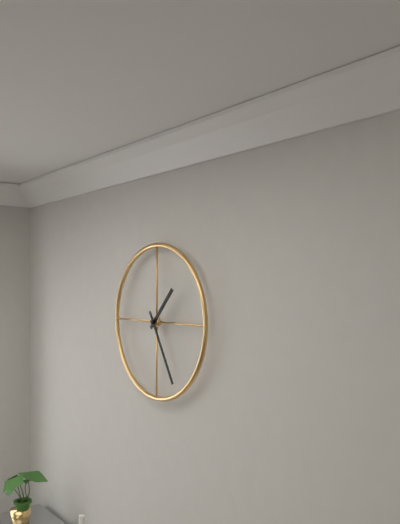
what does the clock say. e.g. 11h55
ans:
1h25
